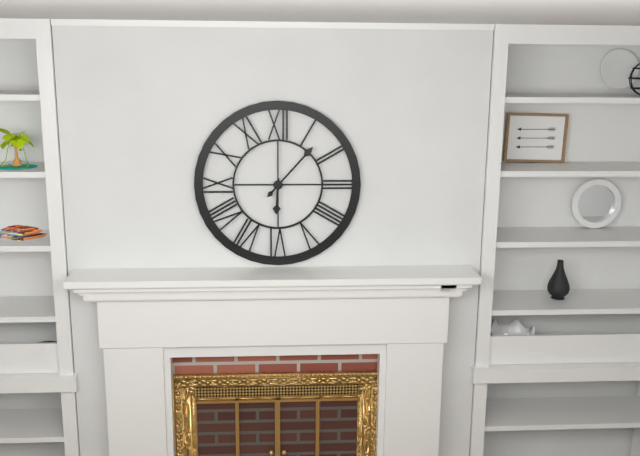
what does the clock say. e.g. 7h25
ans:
6h07
